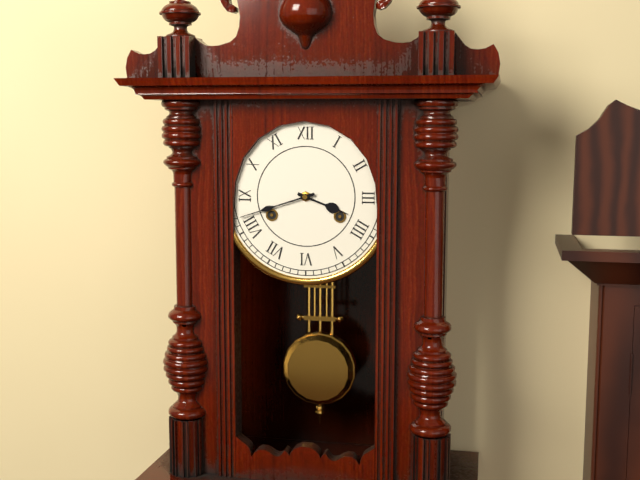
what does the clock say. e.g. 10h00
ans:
3h42
